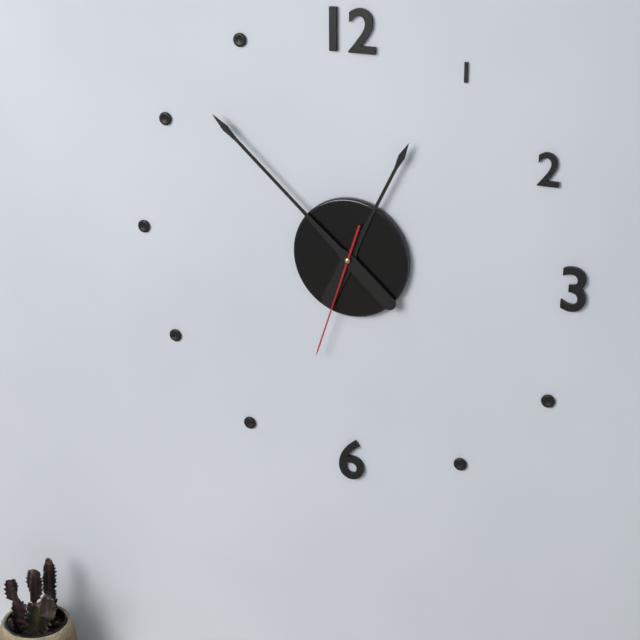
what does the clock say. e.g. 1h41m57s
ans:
12h52m33s
